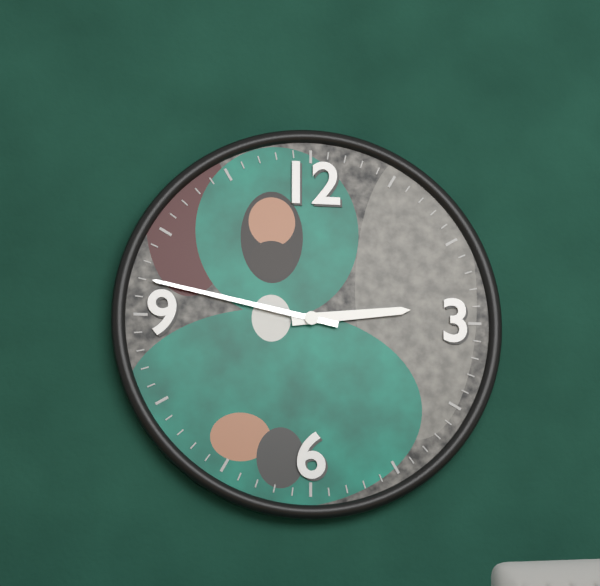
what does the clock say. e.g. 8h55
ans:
2h47
